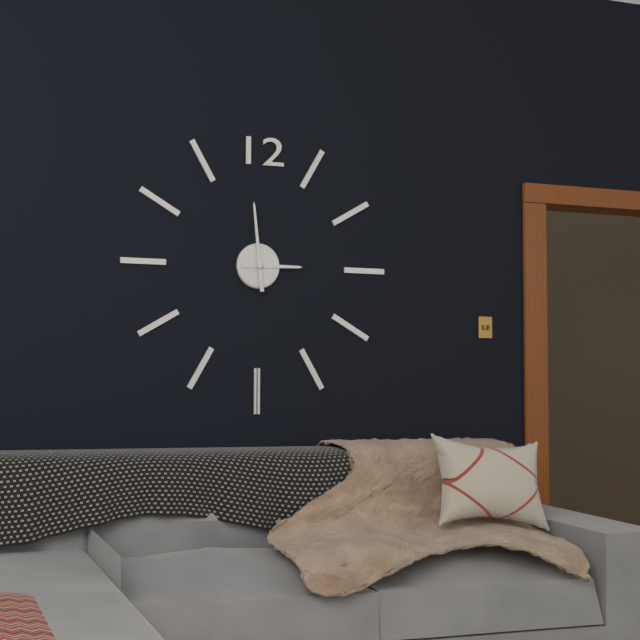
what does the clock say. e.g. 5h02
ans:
2h59
